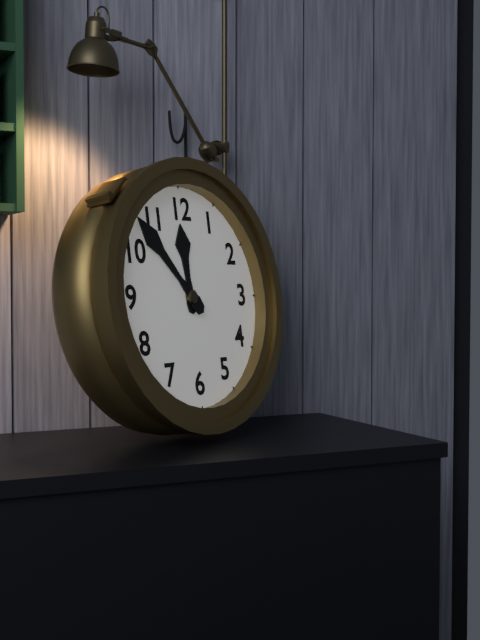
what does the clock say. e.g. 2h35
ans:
11h53
